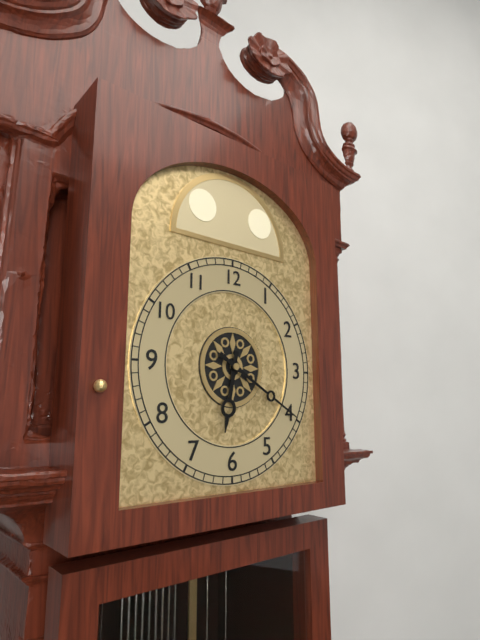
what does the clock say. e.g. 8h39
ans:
6h20
